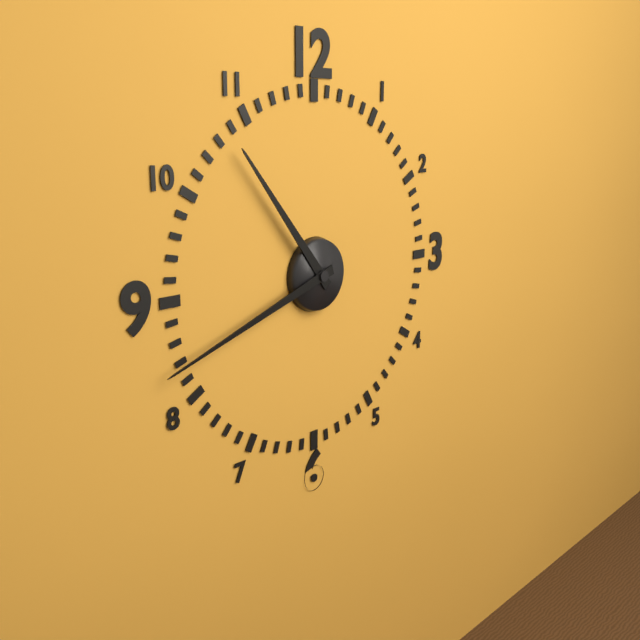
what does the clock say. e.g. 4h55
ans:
10h42
